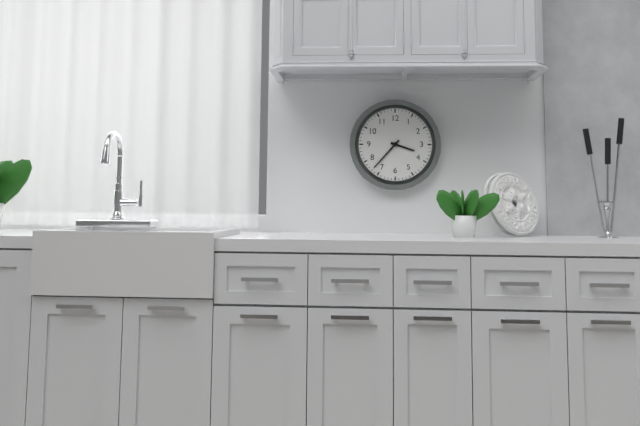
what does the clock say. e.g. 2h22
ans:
3h37
